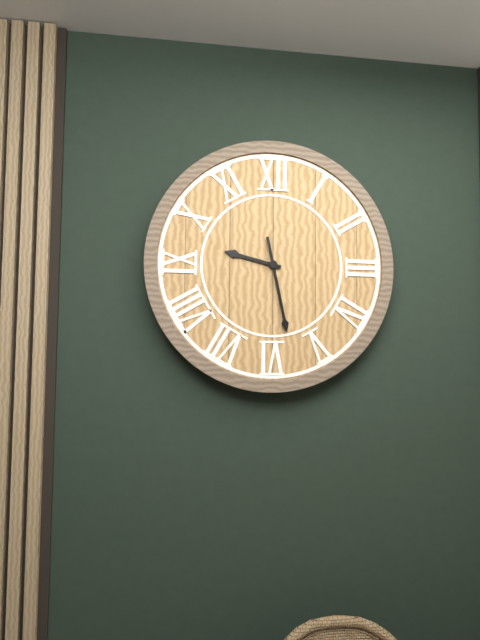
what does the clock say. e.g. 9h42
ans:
9h28
